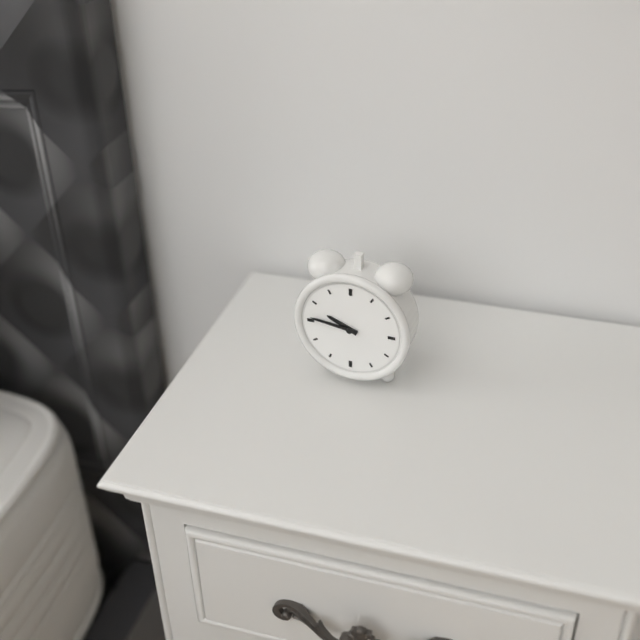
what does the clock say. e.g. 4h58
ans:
9h46
